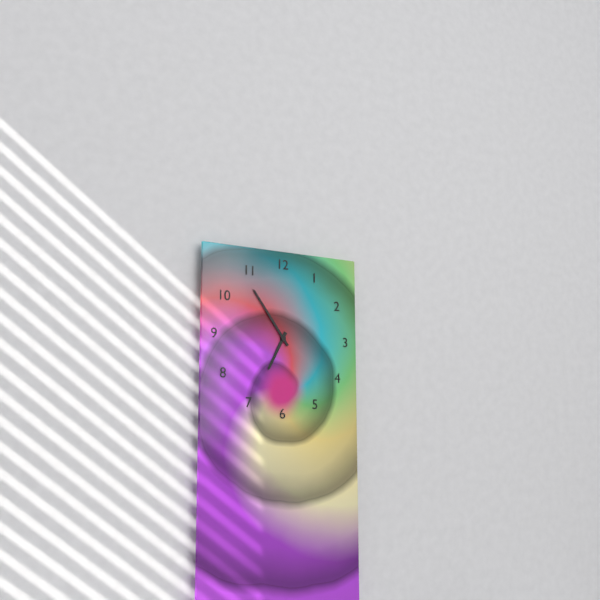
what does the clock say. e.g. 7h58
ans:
6h54
